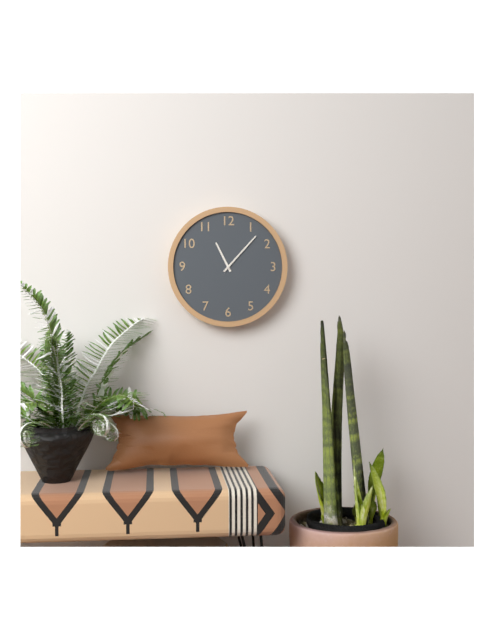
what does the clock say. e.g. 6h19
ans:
11h07
